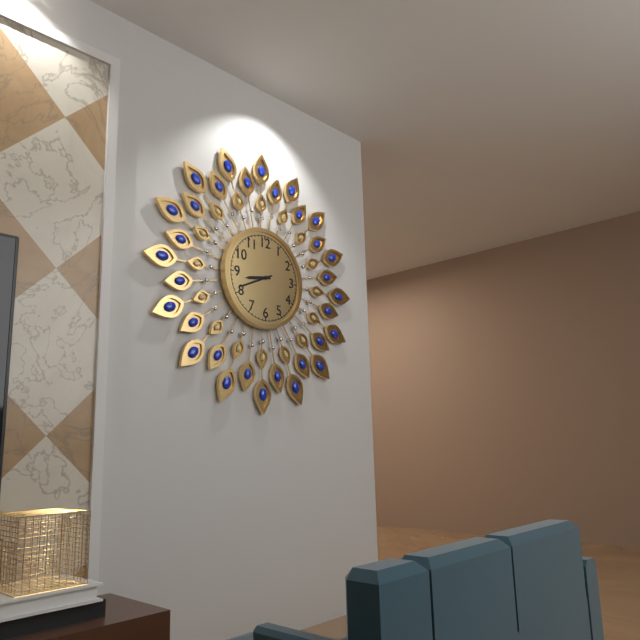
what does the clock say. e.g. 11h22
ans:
8h41
